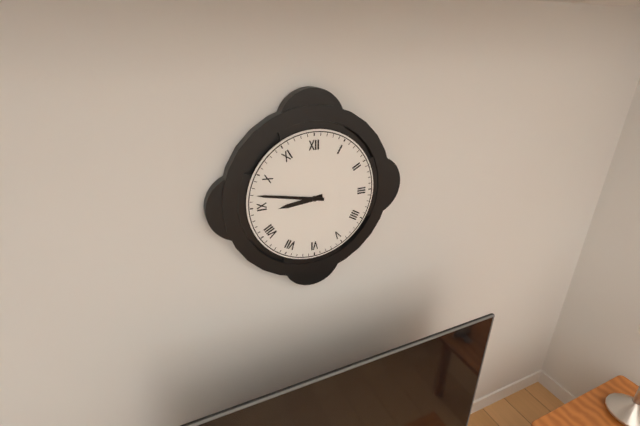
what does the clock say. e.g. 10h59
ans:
8h47
